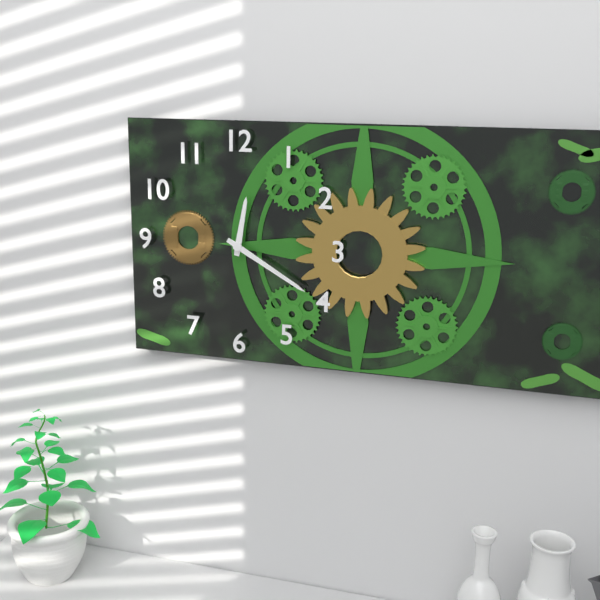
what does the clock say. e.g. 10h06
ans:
12h20
